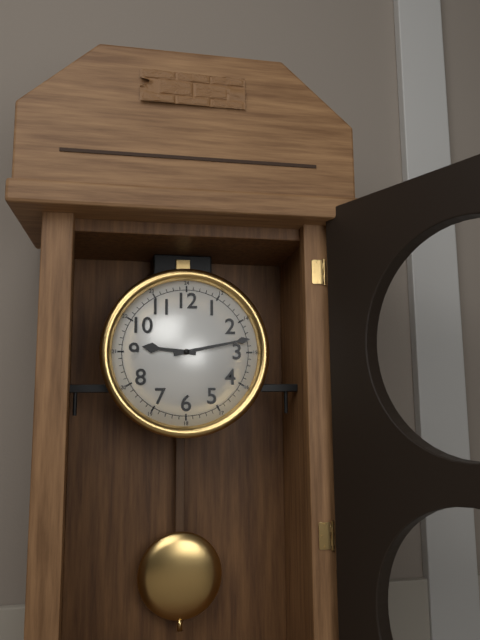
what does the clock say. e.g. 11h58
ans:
9h13
